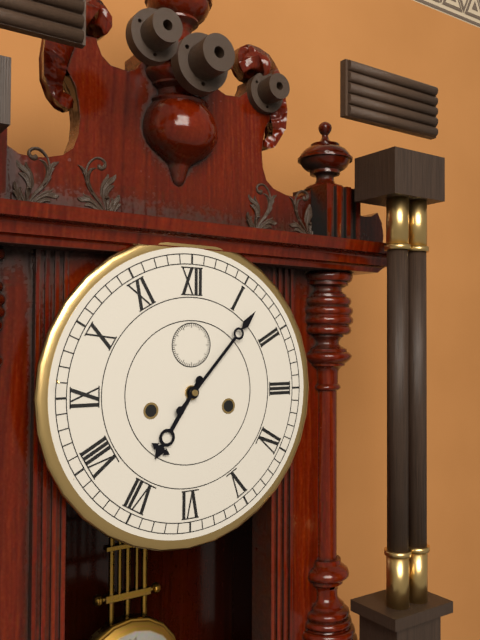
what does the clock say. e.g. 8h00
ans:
7h07
